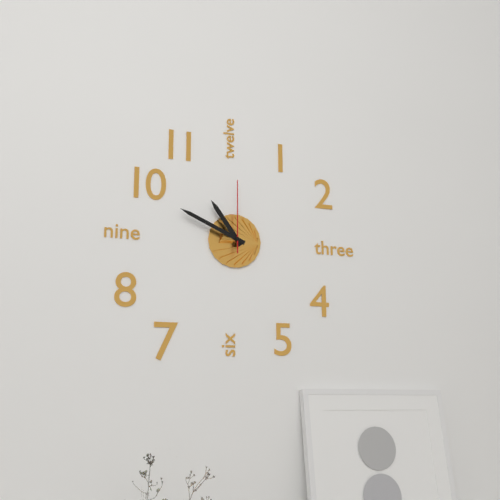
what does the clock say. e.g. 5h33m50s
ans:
10h49m00s
